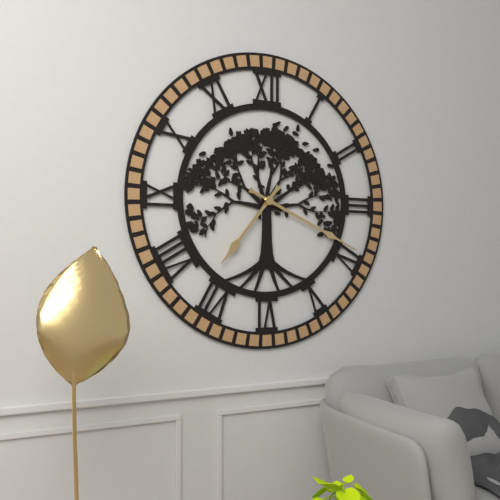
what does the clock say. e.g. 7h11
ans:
7h19
